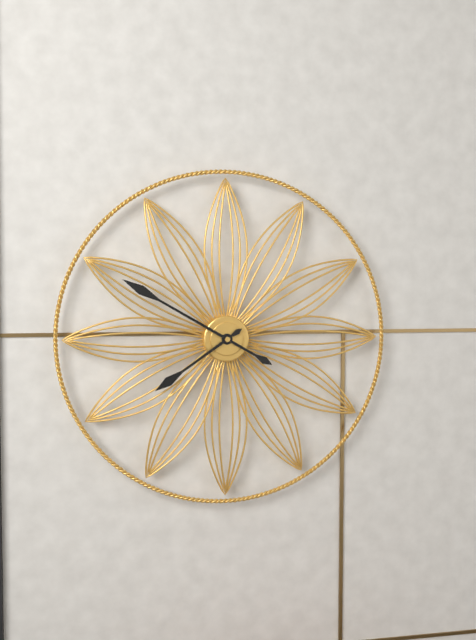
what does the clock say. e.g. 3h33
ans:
7h50
